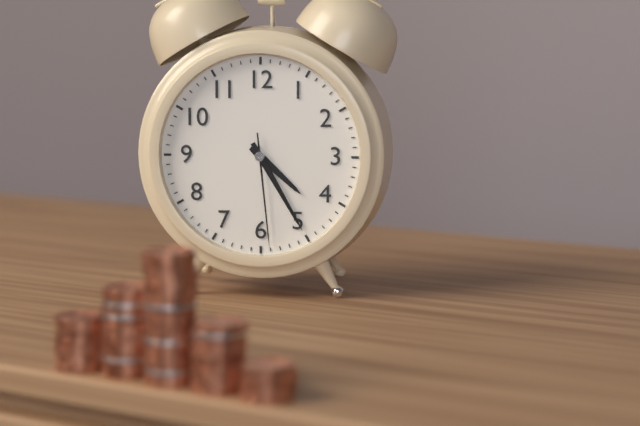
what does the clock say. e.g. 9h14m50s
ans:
4h25m29s
